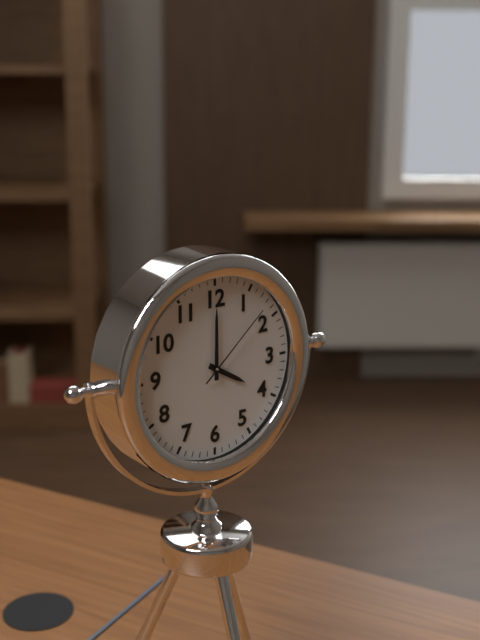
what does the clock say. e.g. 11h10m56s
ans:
4h00m08s
